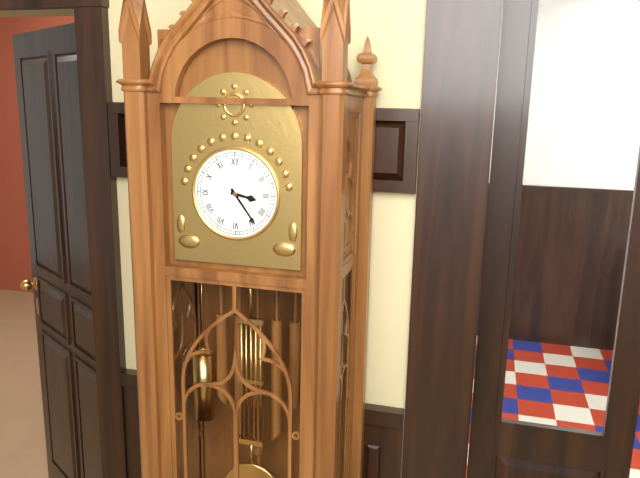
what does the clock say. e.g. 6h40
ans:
3h24
